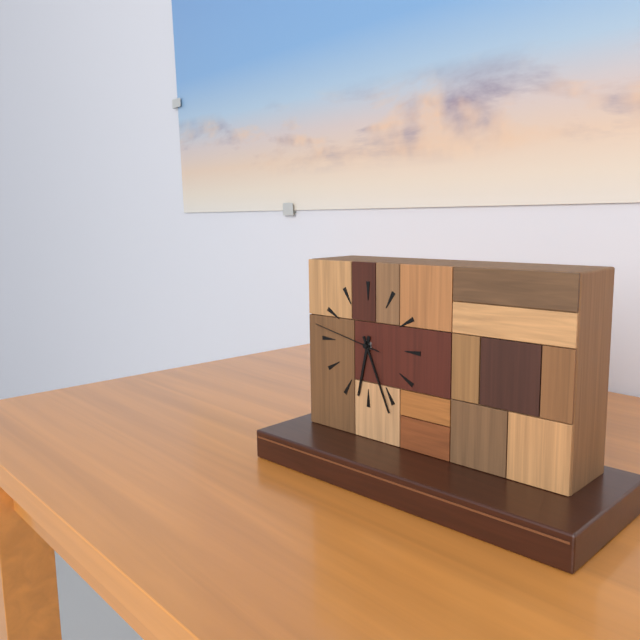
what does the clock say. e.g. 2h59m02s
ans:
6h26m47s
